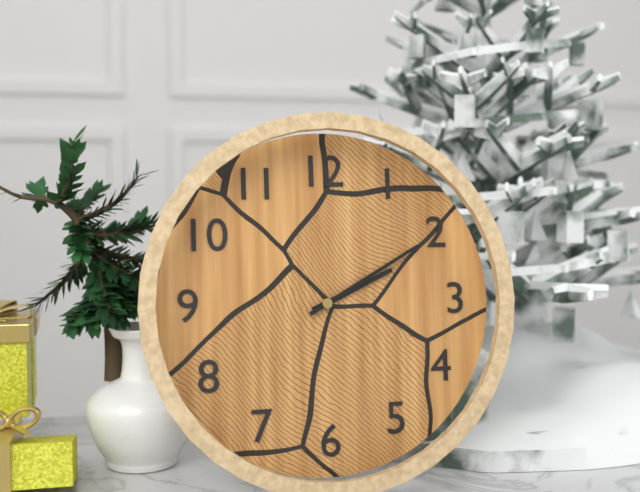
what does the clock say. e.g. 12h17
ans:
2h10
